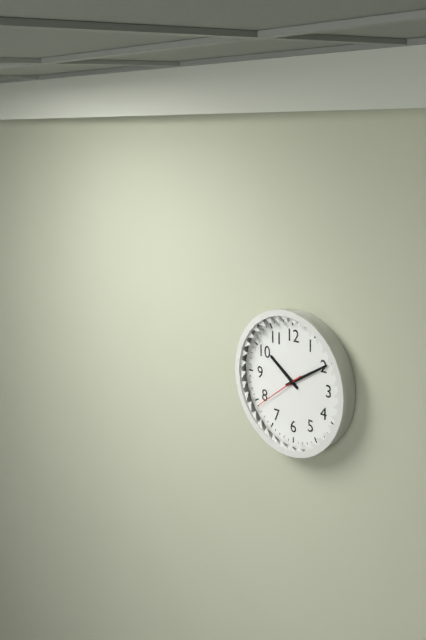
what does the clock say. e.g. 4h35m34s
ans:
10h10m39s
